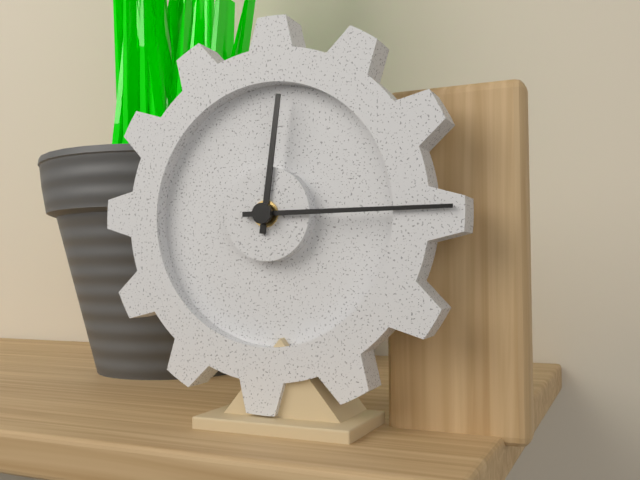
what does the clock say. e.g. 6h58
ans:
12h15
